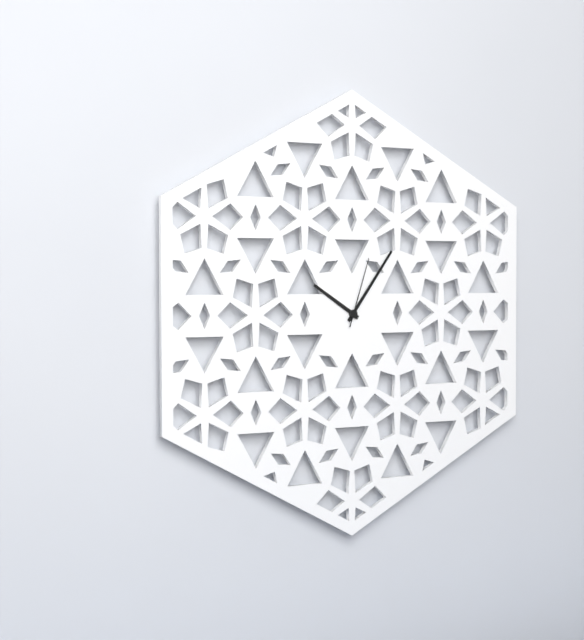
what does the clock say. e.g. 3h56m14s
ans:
10h06m03s
